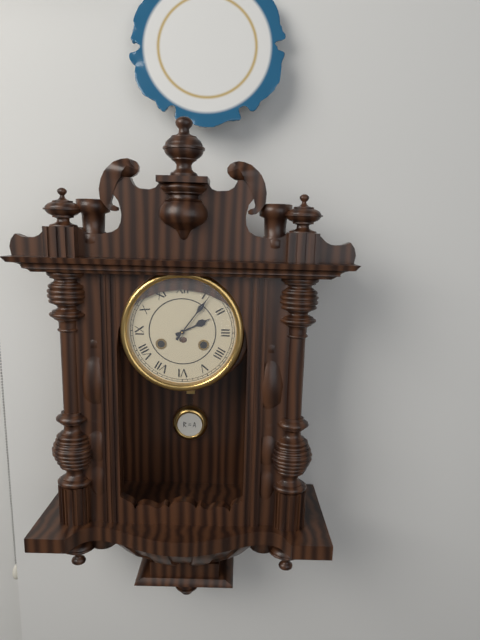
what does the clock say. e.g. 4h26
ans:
2h06
